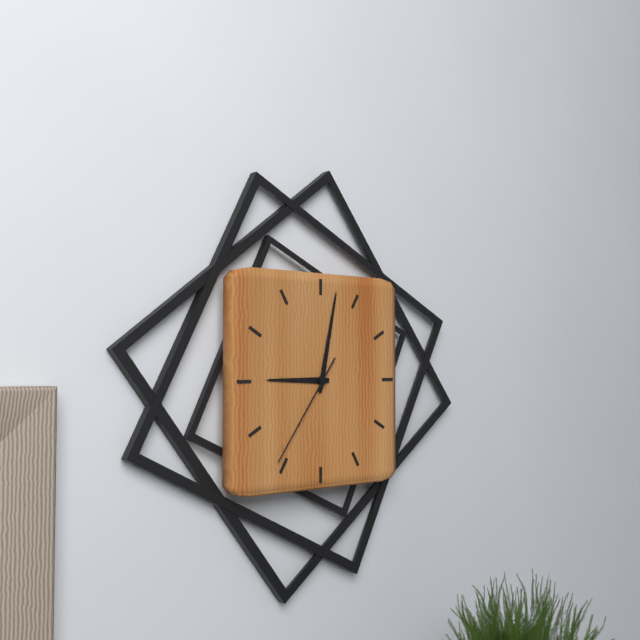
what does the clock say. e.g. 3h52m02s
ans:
9h02m36s
